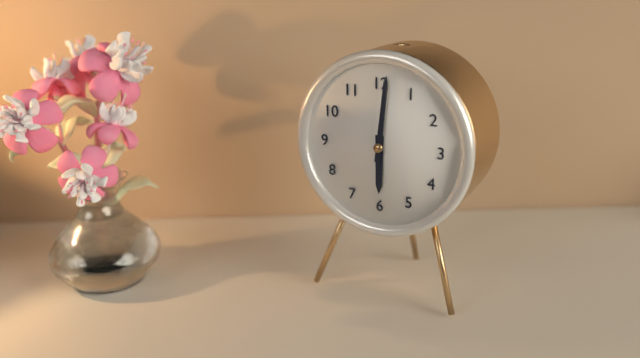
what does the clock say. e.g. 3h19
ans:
6h01
